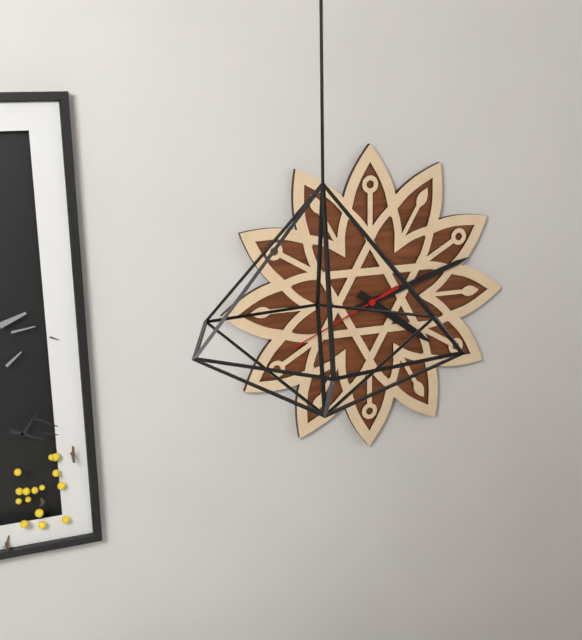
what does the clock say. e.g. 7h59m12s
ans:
4h12m41s
